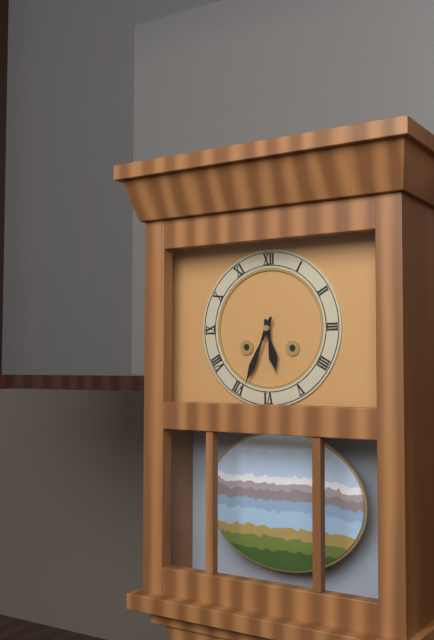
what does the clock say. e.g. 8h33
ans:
5h34
